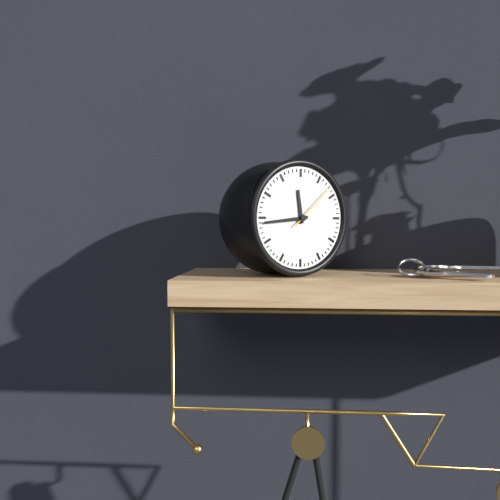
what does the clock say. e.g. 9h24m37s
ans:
11h44m08s
